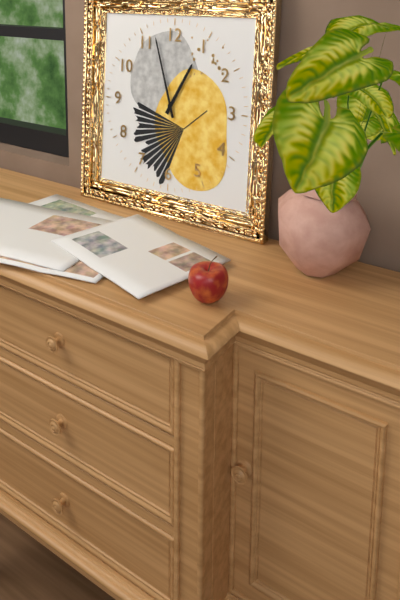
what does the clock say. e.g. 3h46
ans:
12h57
